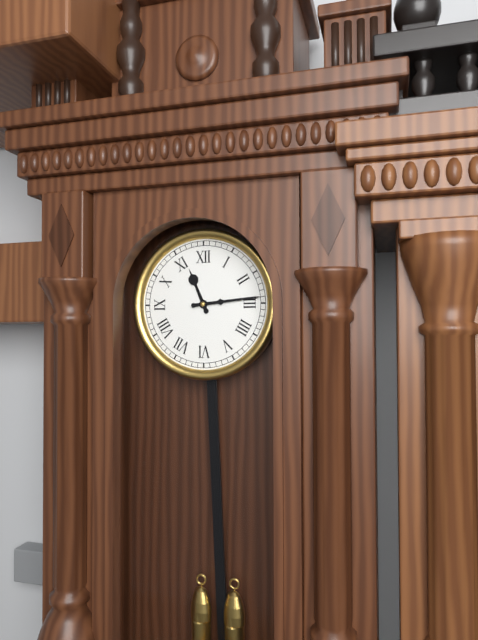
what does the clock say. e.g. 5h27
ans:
11h14
